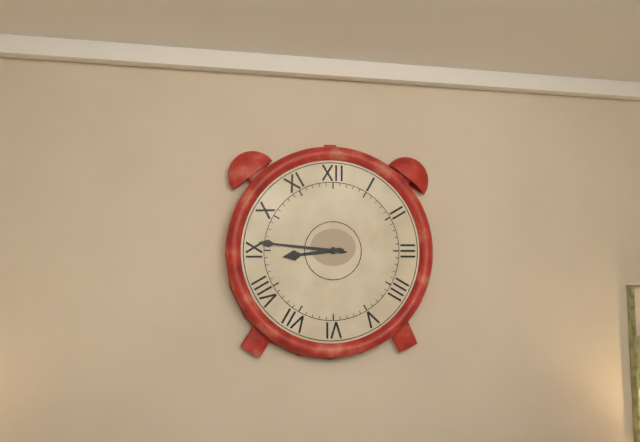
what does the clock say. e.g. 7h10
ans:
8h46
